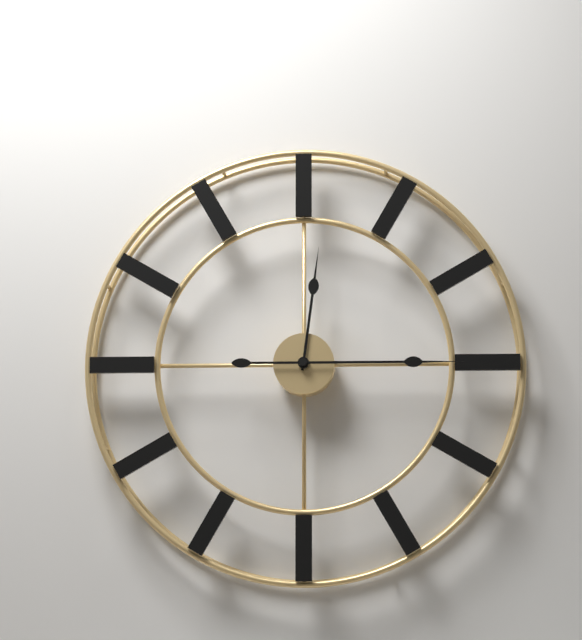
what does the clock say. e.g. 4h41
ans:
12h15
